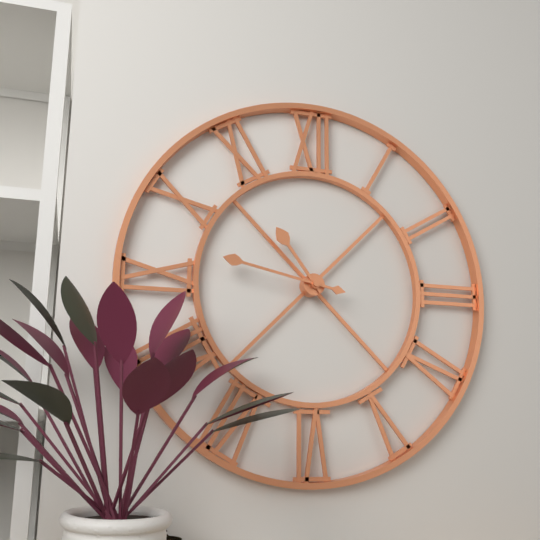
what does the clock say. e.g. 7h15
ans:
10h47
